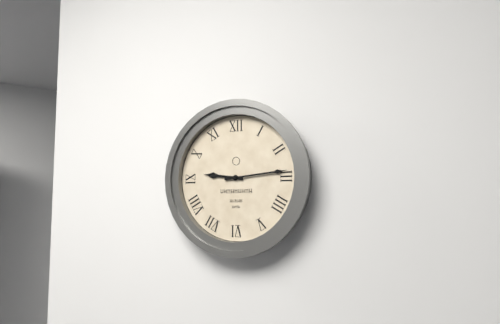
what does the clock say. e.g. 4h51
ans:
9h14
